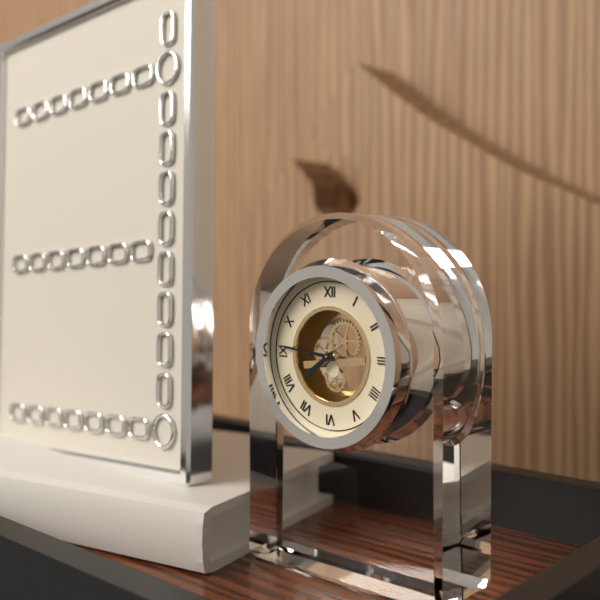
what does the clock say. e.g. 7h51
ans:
7h46
